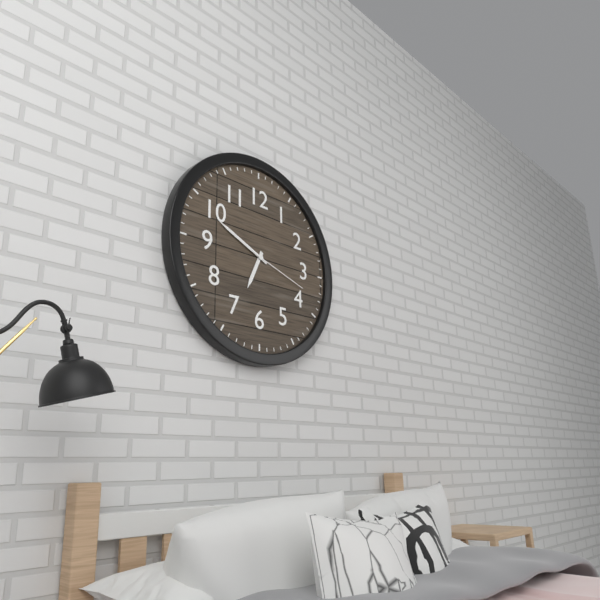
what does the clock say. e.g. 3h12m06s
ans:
6h49m18s
